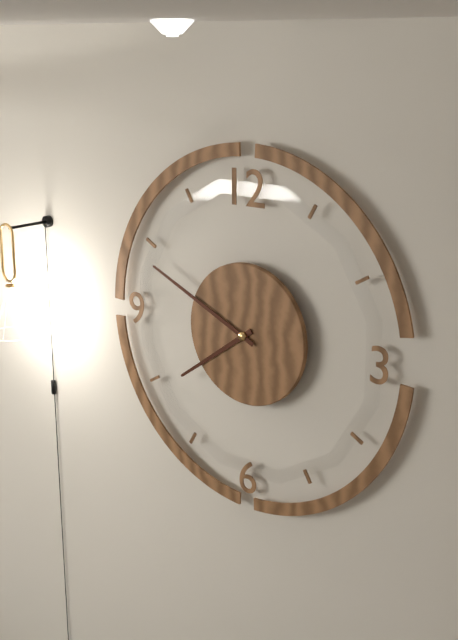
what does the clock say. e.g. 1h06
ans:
7h49
